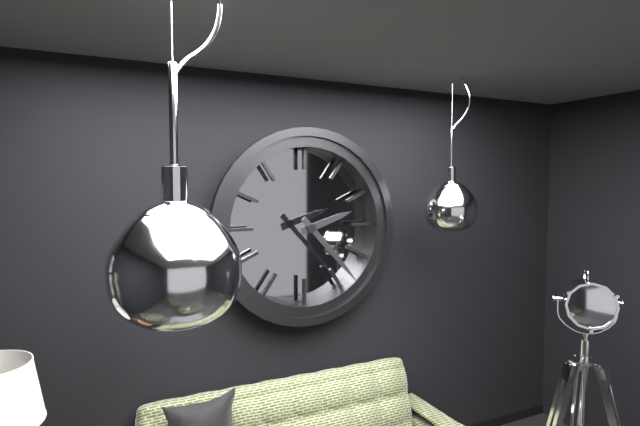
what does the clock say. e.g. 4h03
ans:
2h23
